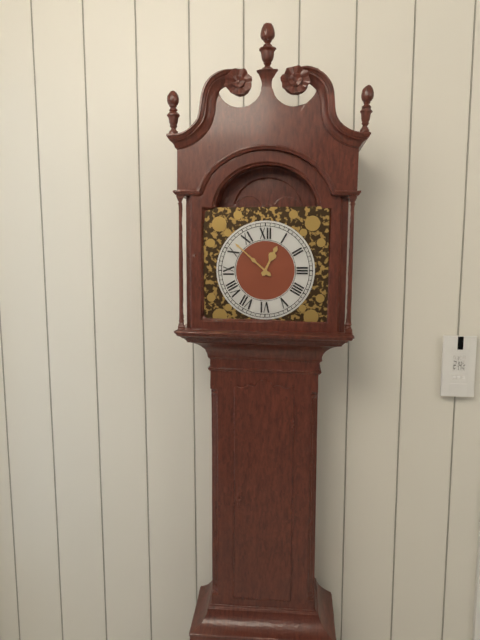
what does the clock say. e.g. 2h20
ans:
12h52
